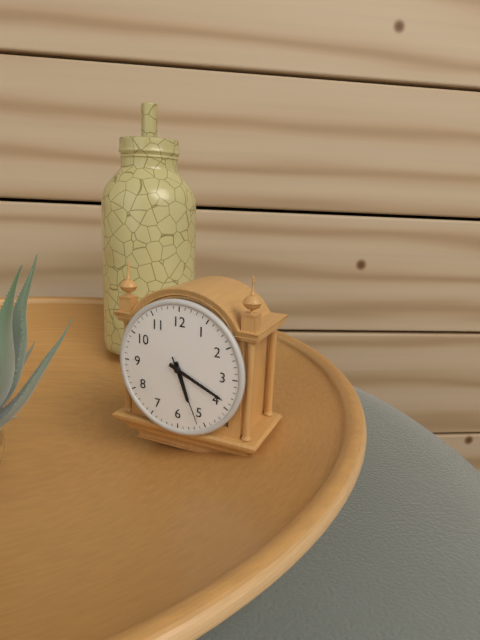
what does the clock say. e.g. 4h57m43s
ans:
5h19m26s
